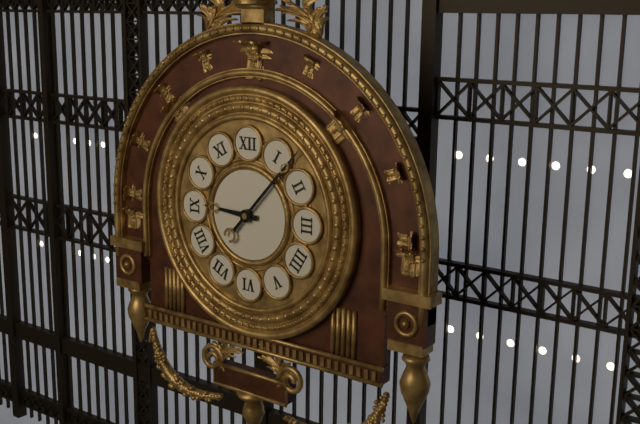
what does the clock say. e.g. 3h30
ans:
9h07
